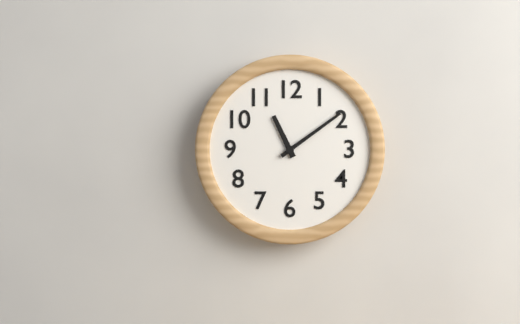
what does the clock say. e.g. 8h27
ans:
11h09
